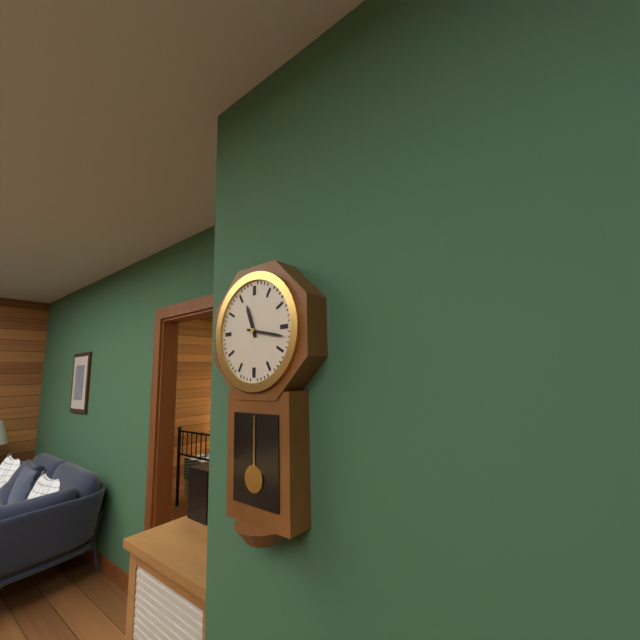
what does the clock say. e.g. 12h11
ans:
11h17
